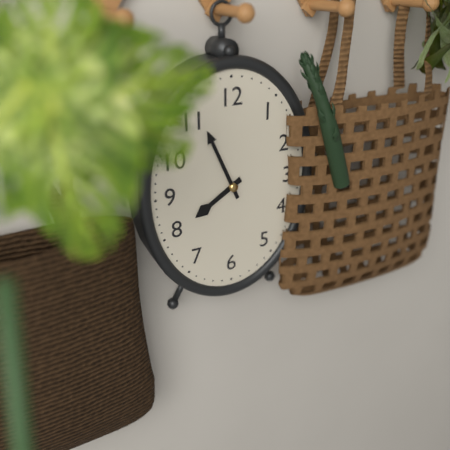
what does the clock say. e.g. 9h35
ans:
7h56
